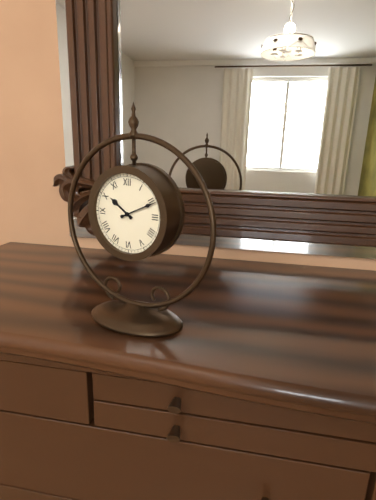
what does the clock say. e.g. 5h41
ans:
10h11
